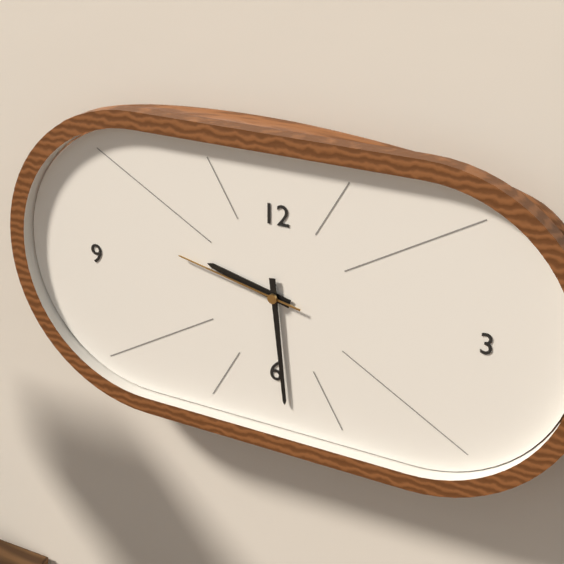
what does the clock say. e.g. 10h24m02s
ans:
9h29m47s
